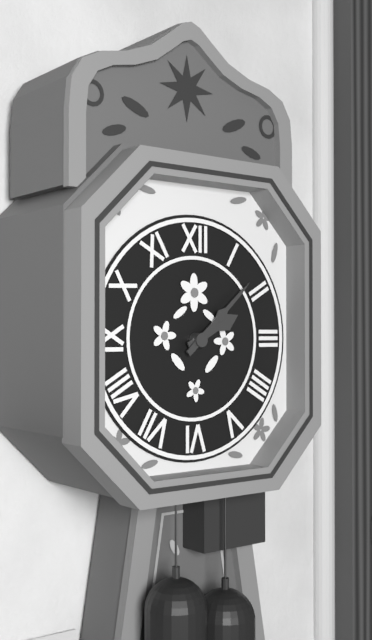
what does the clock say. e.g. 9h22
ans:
2h08
